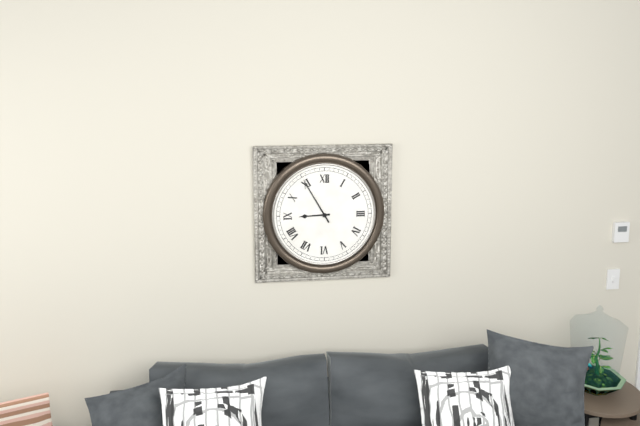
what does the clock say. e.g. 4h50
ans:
8h55
